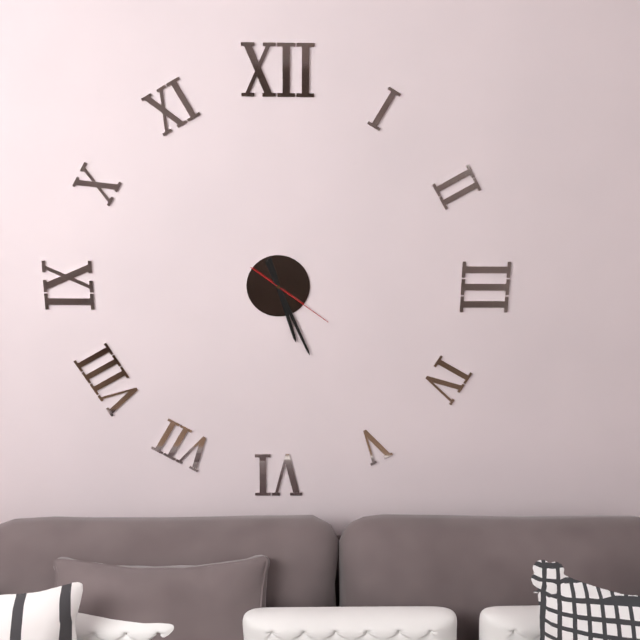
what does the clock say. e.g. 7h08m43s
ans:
5h26m21s
